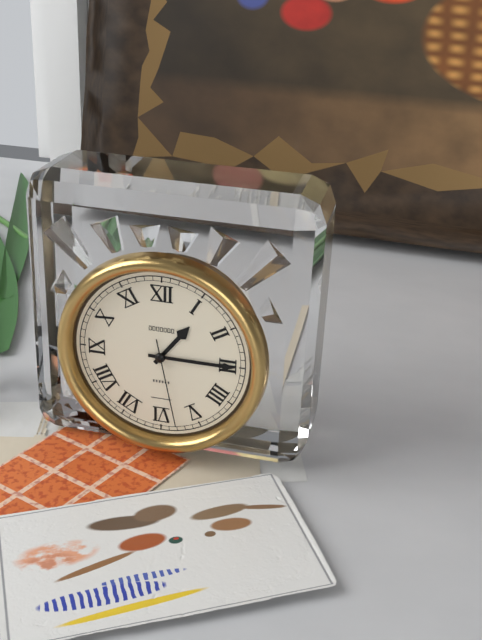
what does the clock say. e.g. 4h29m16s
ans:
1h15m28s
